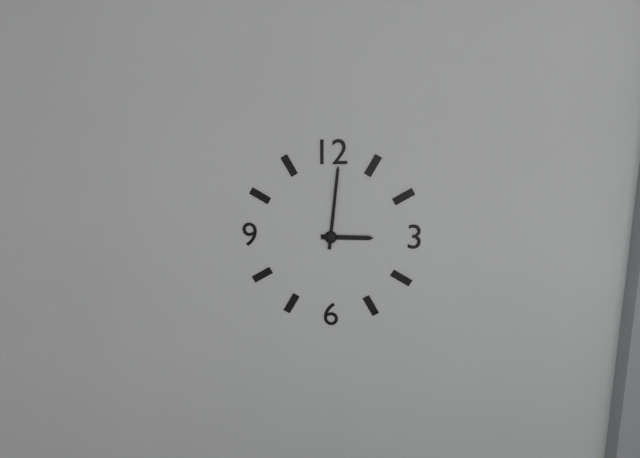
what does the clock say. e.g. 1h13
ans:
3h01
